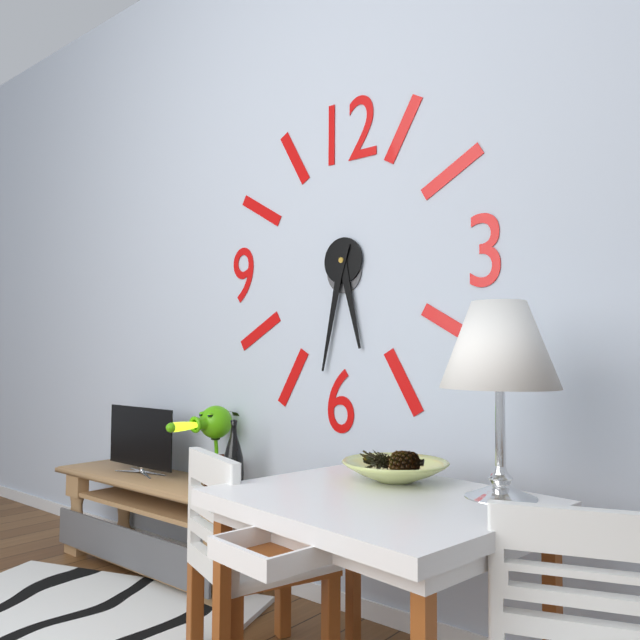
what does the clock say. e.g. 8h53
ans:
5h32
